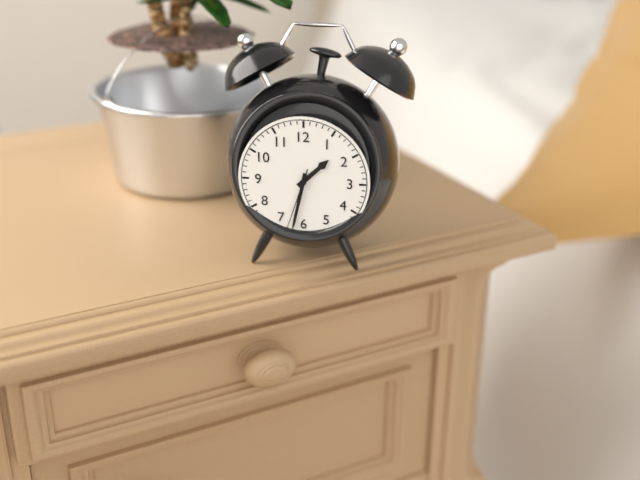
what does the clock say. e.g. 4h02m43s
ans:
1h32m33s
